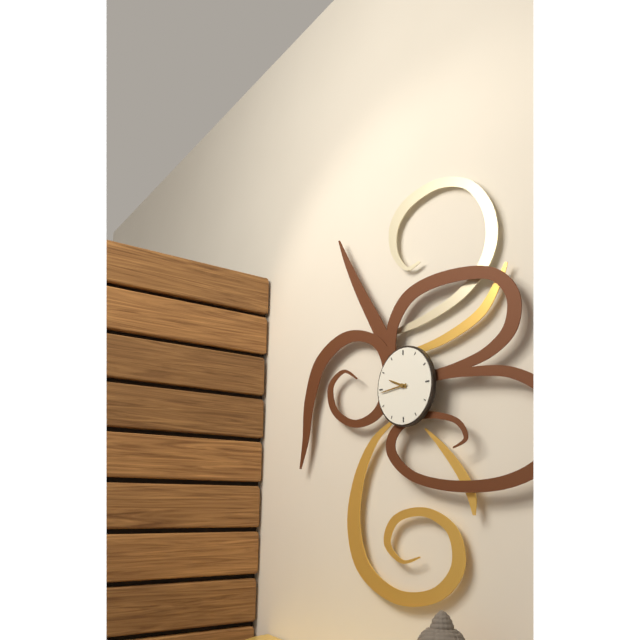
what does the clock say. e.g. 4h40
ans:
9h44
